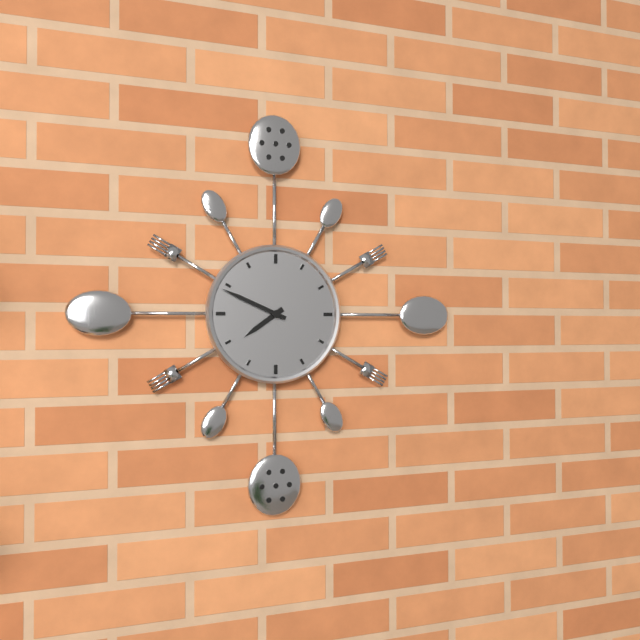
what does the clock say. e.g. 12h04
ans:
7h49
